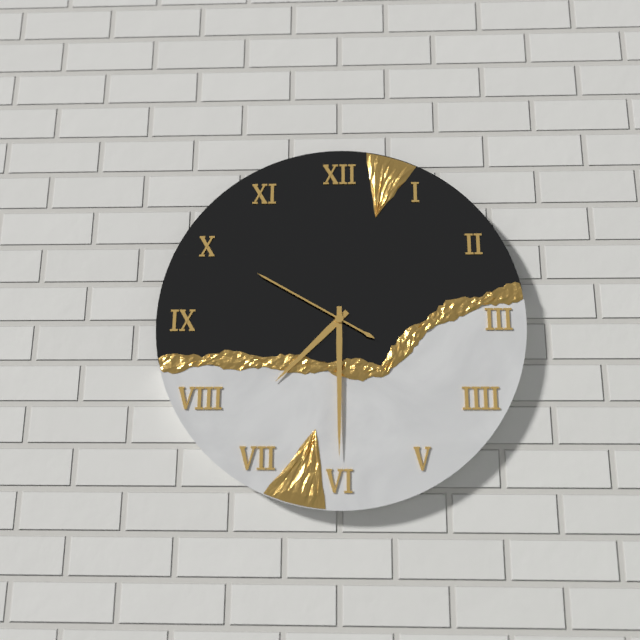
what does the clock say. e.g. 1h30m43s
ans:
7h30m50s
